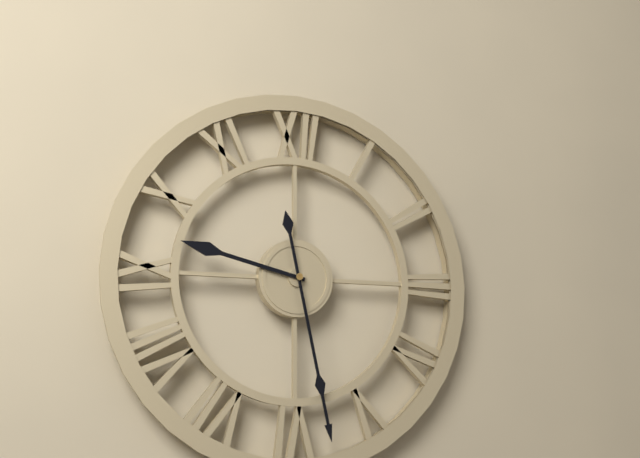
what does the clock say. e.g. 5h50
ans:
9h28
